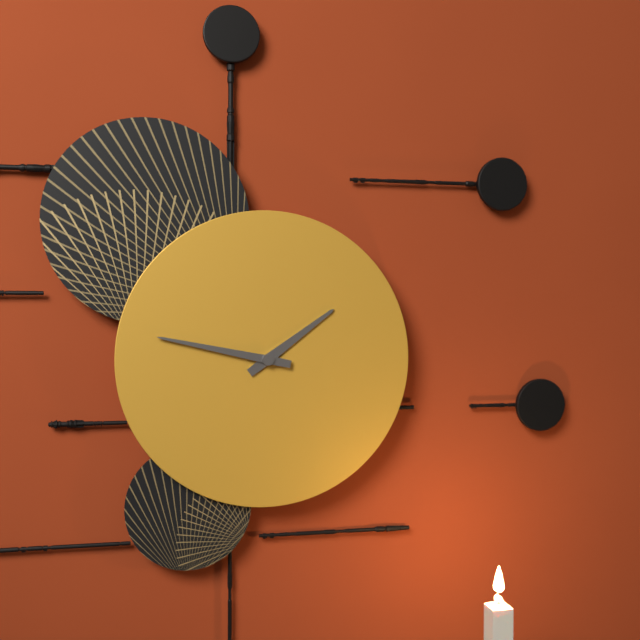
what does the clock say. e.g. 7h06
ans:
1h47
